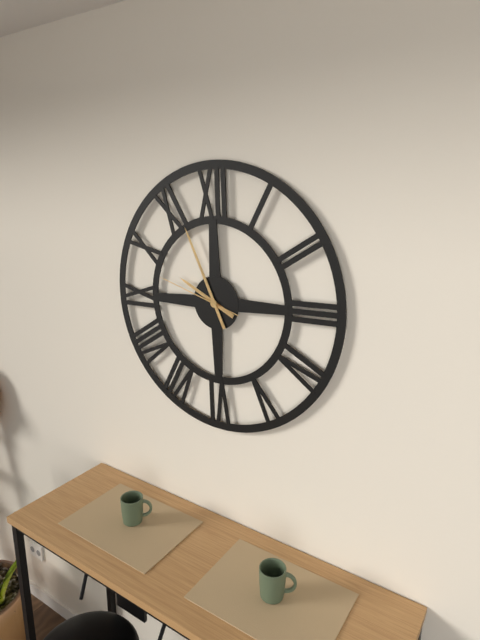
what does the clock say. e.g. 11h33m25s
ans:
9h56m48s
